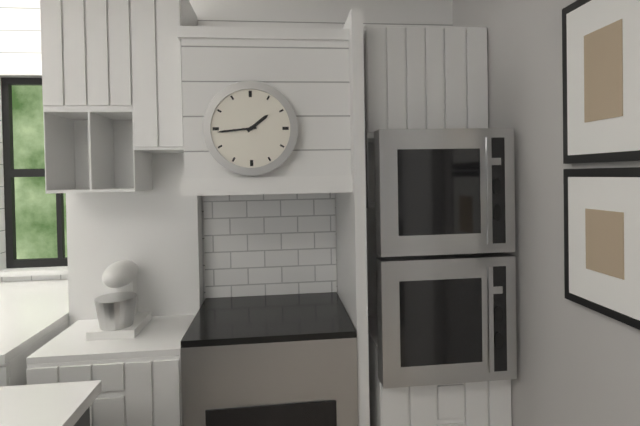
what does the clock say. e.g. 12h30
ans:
1h44
